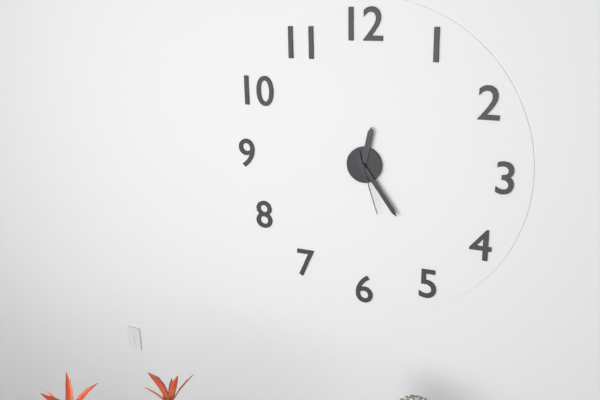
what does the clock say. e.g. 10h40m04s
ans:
12h24m27s
